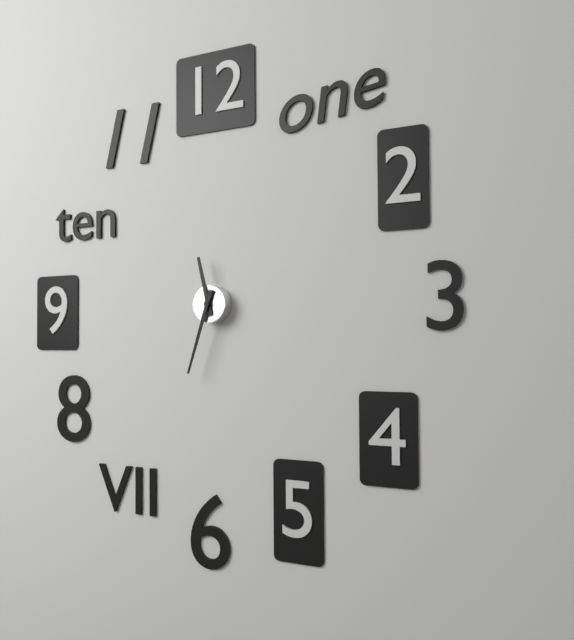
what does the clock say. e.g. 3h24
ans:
11h33
